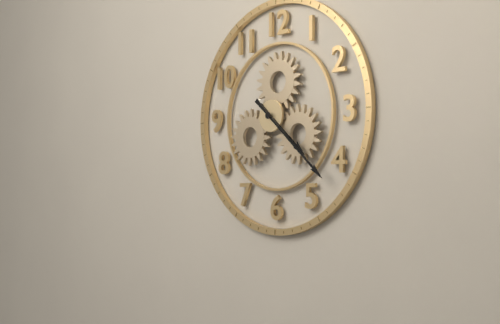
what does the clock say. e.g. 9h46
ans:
4h22
